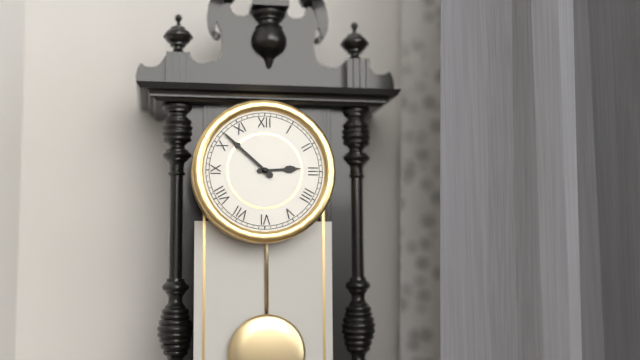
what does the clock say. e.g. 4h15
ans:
2h52
